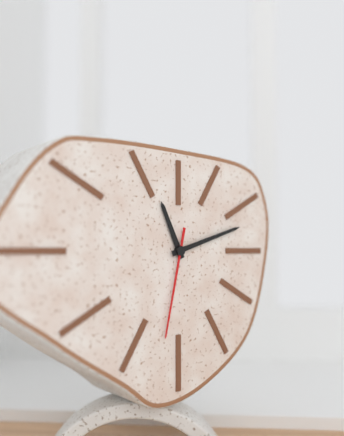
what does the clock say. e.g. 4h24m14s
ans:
11h12m32s
